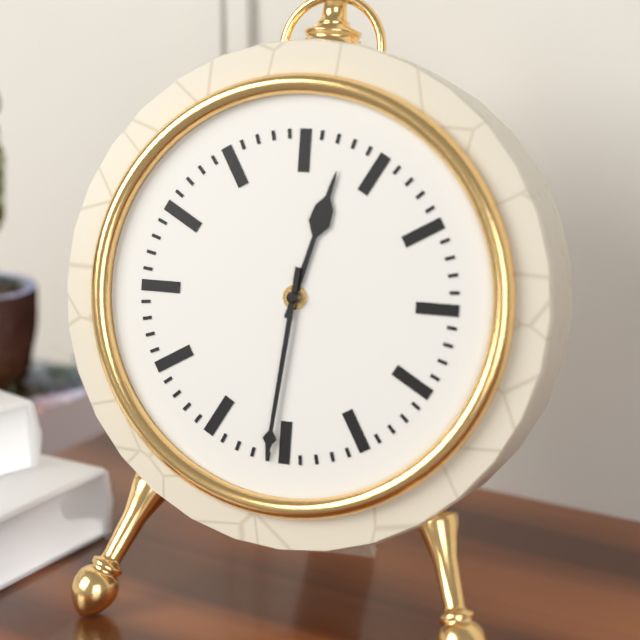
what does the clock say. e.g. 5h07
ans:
12h31
